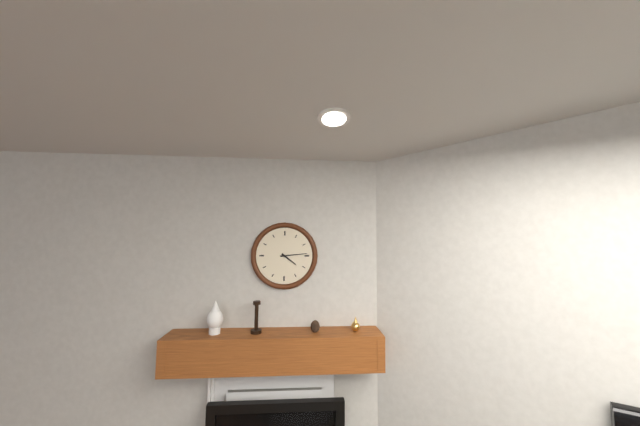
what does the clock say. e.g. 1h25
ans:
4h14
